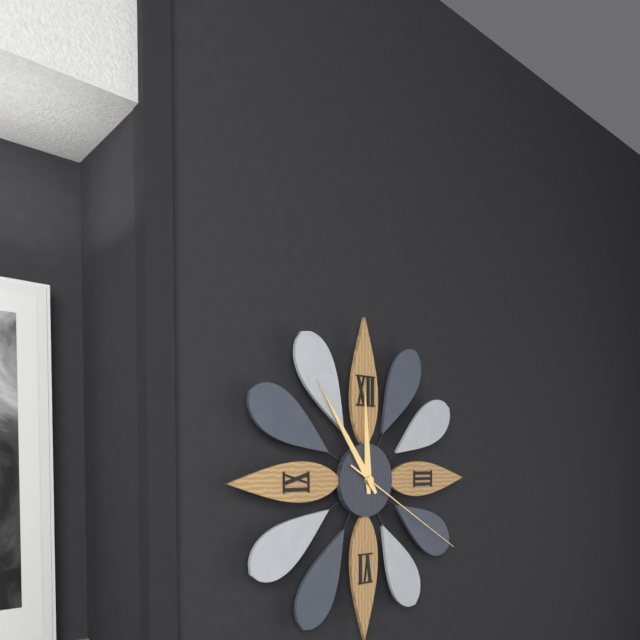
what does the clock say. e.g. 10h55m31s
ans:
11h54m20s
